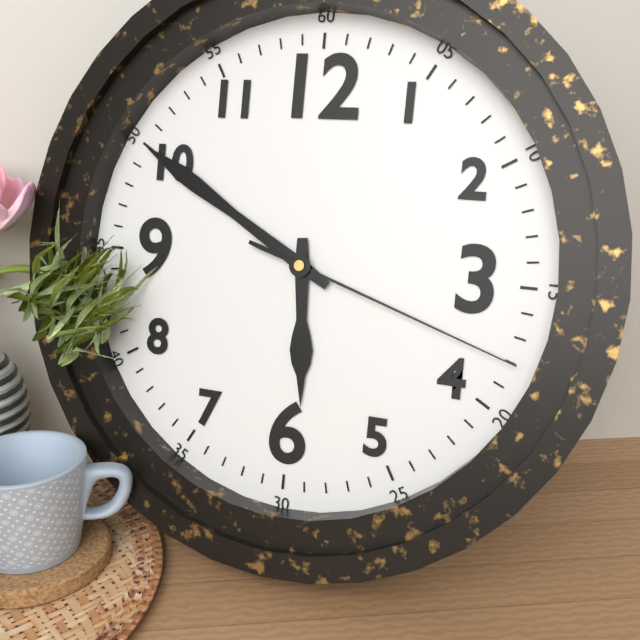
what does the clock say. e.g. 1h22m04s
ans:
5h50m18s
